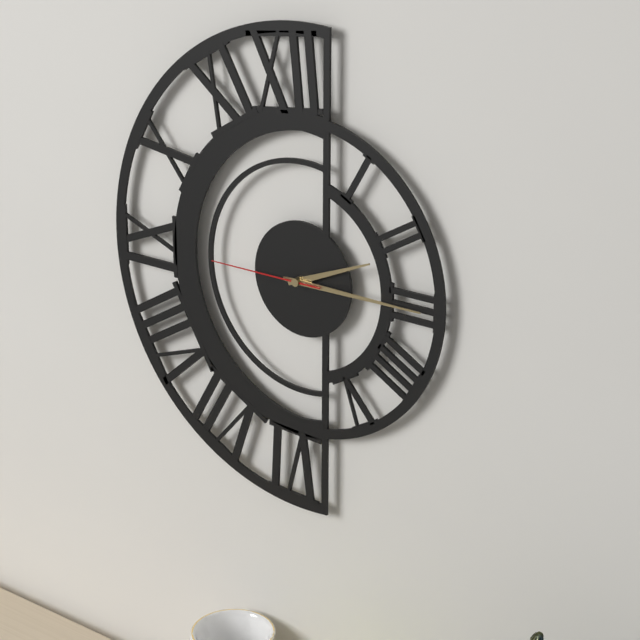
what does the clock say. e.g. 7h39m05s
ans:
2h15m45s
